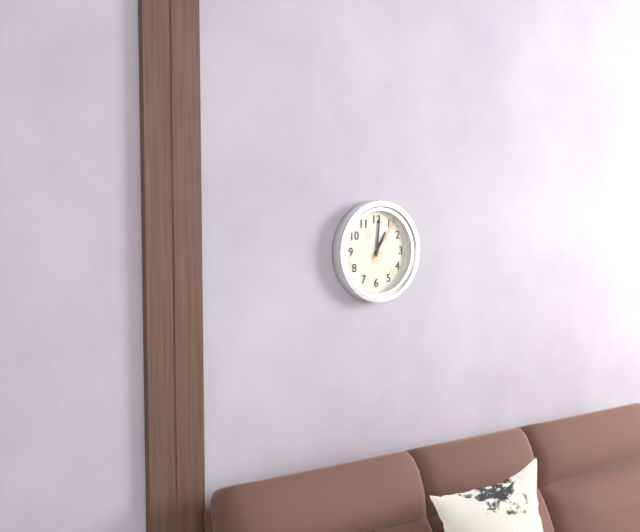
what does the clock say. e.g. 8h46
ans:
1h01
